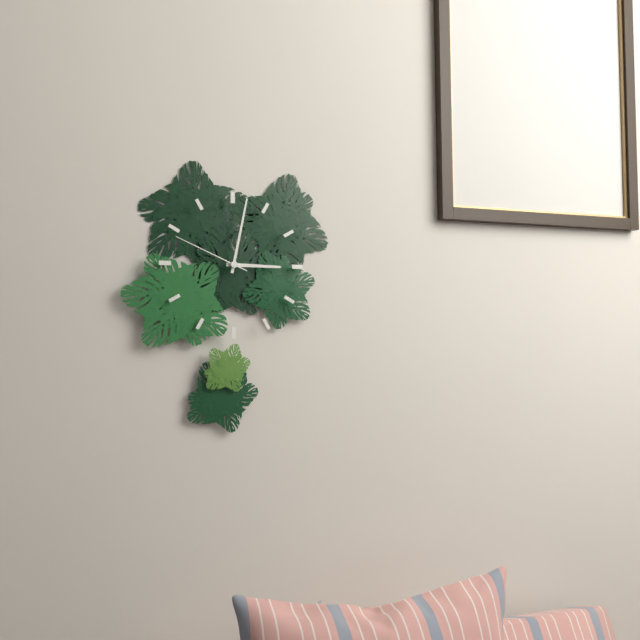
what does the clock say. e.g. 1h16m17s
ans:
3h02m49s
